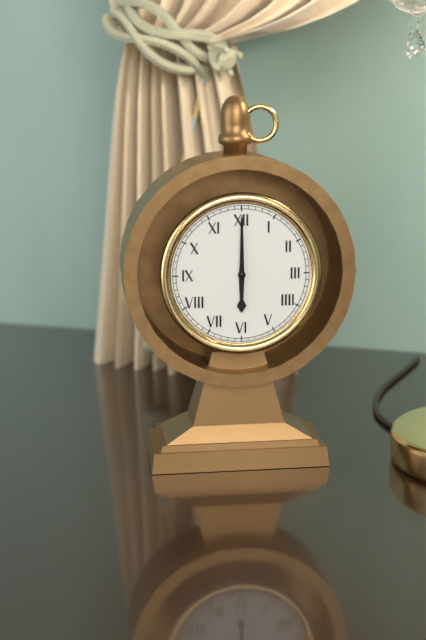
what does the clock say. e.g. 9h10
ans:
6h00
